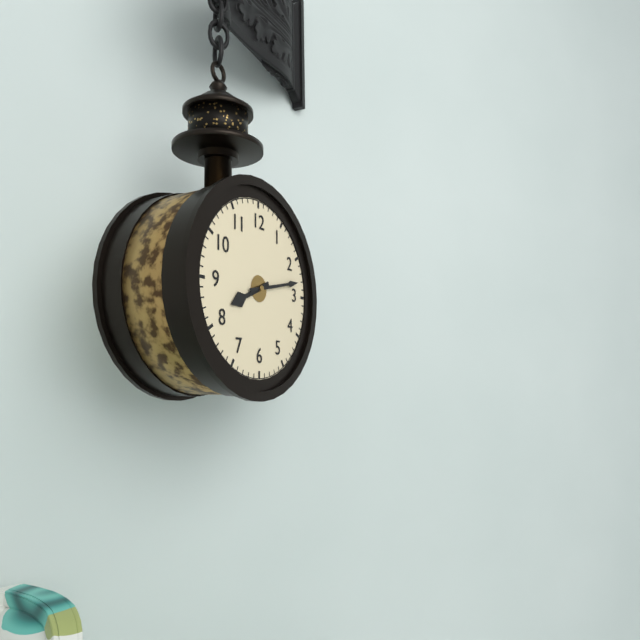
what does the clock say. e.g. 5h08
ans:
8h13
